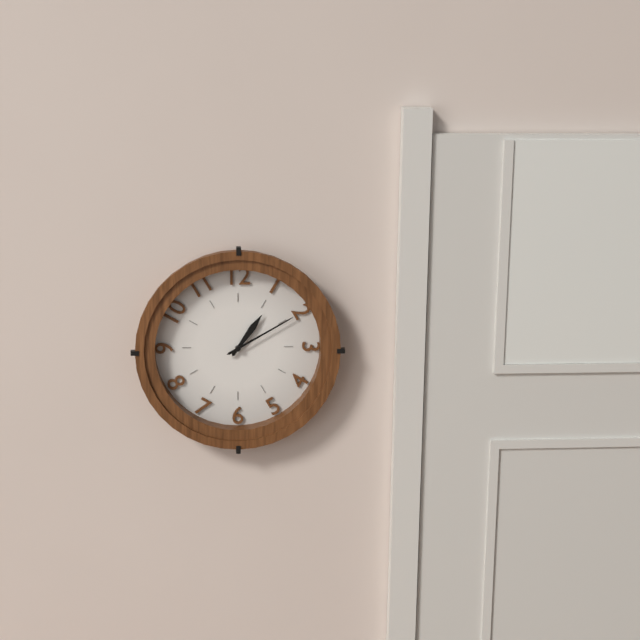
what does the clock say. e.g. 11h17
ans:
1h10
